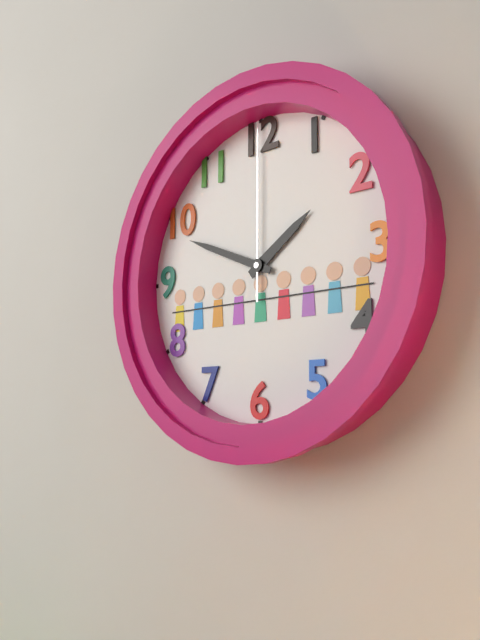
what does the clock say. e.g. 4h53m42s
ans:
1h49m00s
